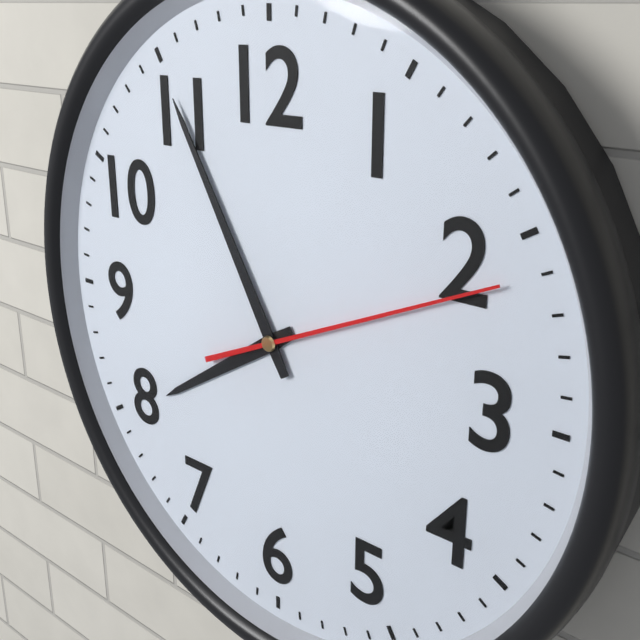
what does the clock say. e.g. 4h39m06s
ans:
7h55m11s
